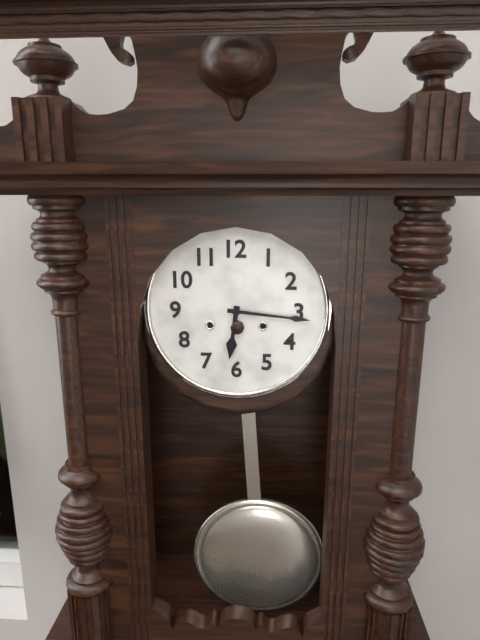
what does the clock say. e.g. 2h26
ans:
6h16
